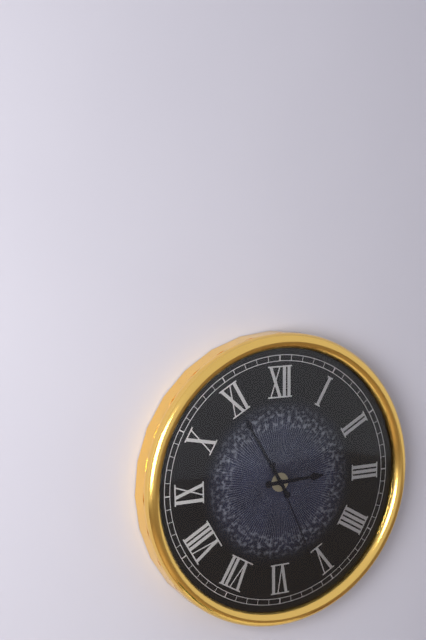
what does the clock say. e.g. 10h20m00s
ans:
2h55m26s
